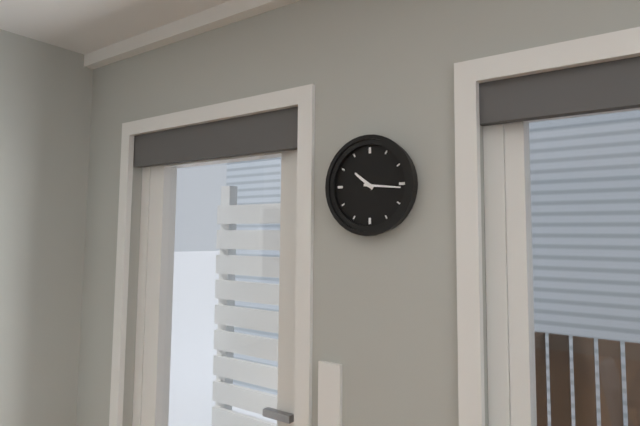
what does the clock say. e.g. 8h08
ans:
10h16
